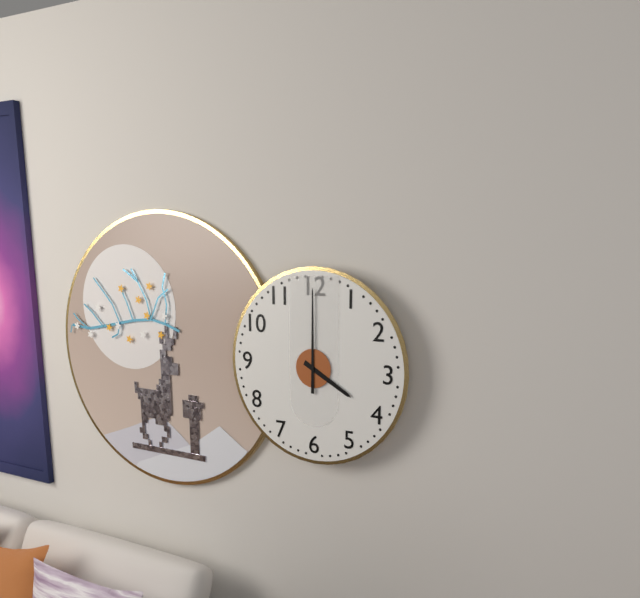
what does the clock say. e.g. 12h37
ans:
4h00
